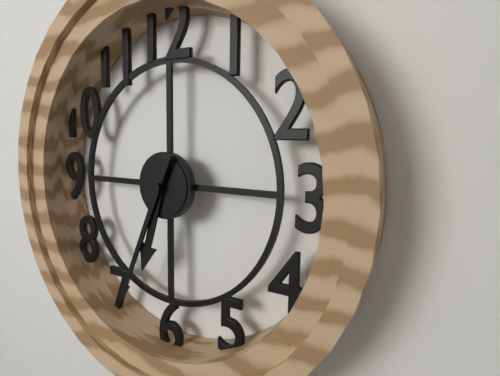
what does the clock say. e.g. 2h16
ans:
6h34
